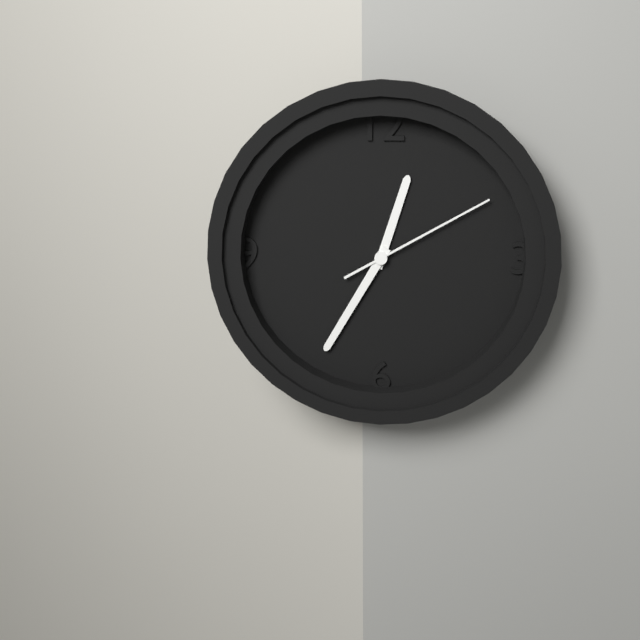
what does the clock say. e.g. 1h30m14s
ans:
12h35m10s
